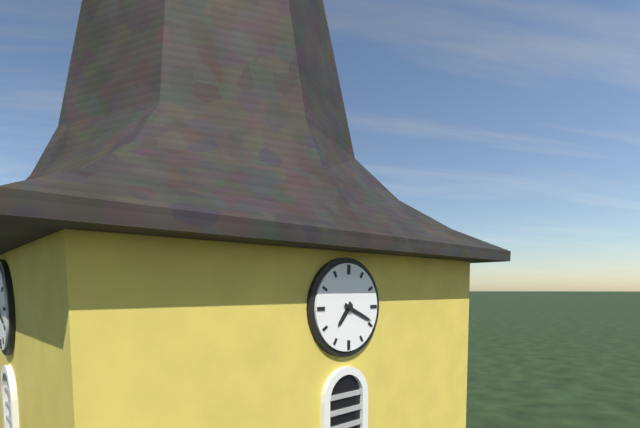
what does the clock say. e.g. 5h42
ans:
7h19
